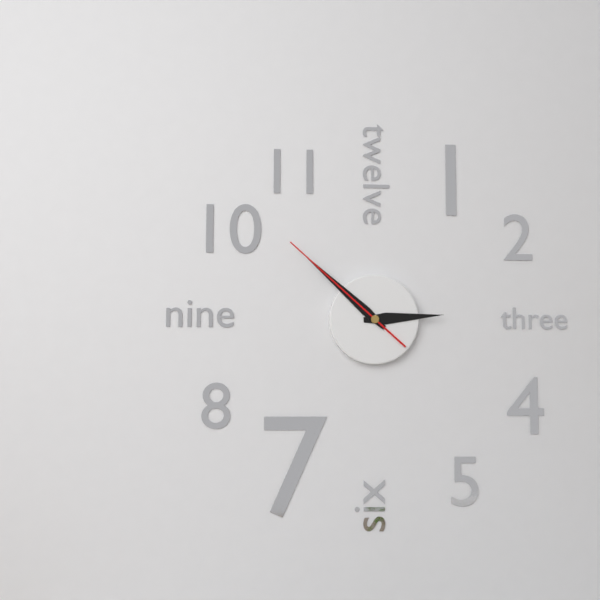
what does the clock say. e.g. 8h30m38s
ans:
2h52m52s
